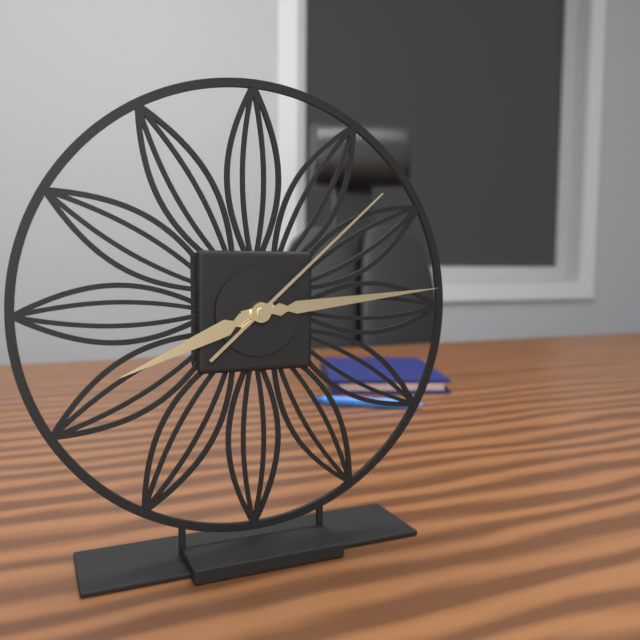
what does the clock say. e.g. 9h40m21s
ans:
8h14m08s
